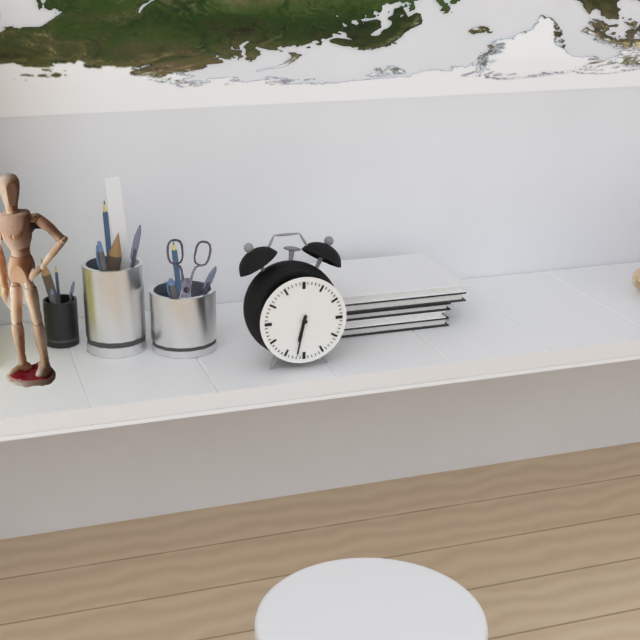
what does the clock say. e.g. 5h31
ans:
6h32
